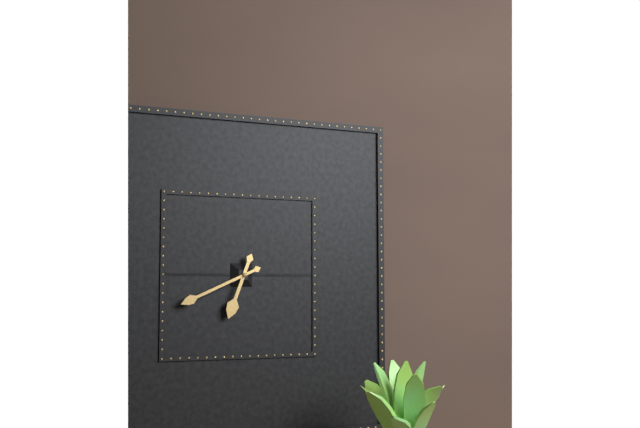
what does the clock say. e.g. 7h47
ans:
6h41
